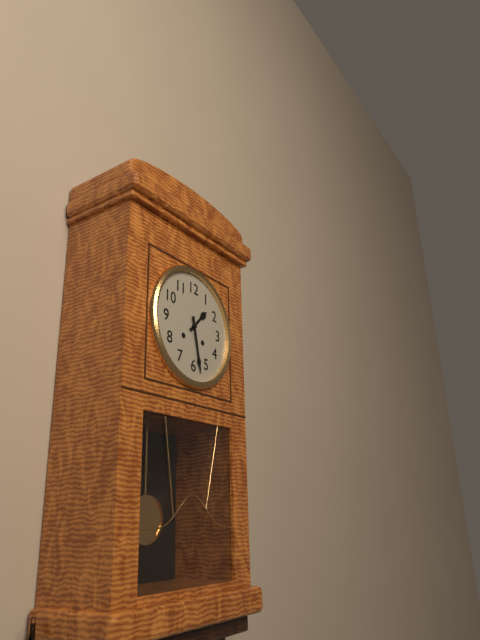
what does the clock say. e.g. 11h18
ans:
1h28
